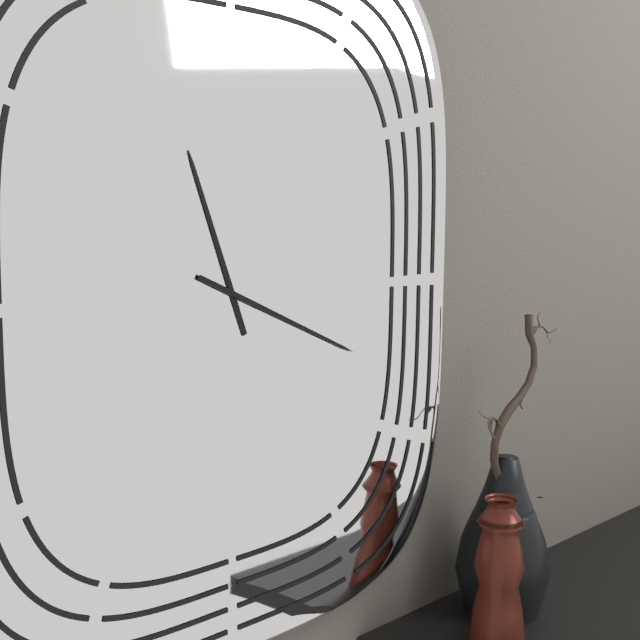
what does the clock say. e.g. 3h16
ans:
11h19
